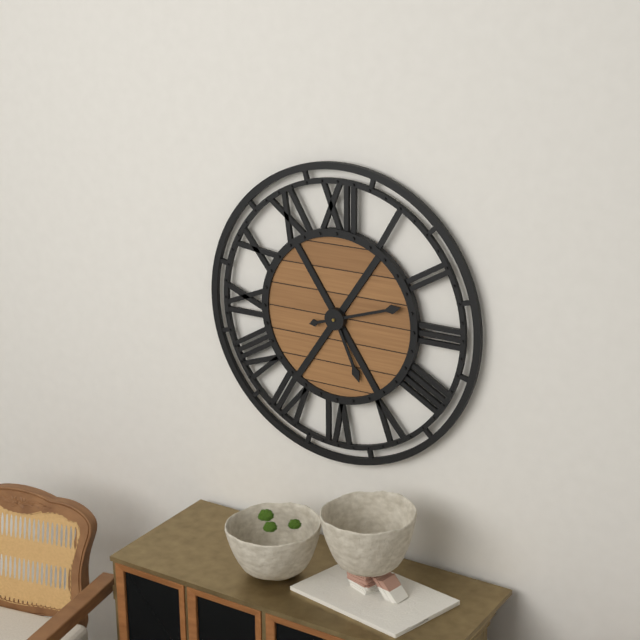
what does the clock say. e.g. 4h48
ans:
5h12
